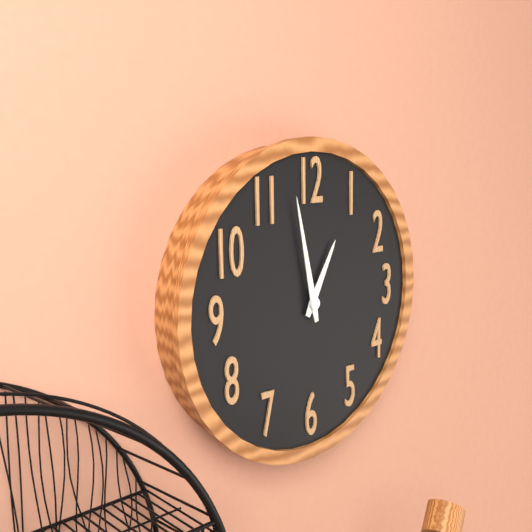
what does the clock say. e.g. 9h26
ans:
12h58
